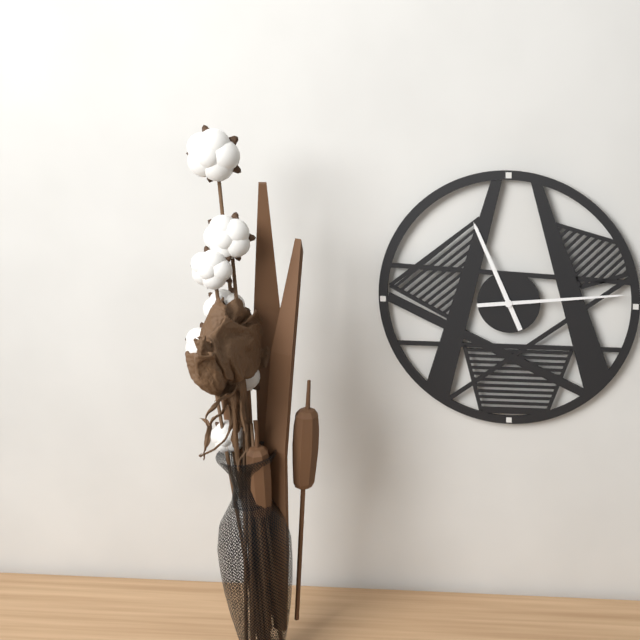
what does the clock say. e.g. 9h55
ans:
11h14
